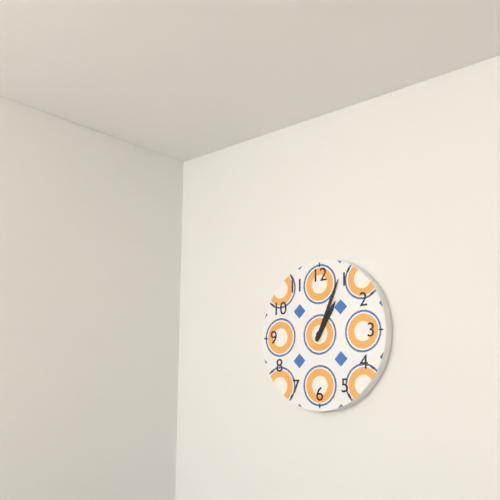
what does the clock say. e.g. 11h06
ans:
1h04
